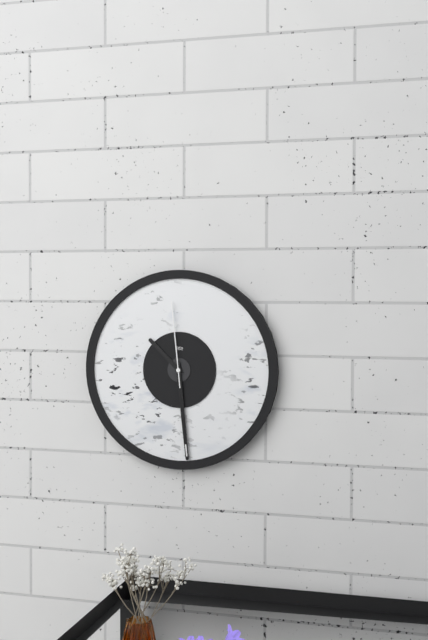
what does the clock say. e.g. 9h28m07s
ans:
10h29m59s
